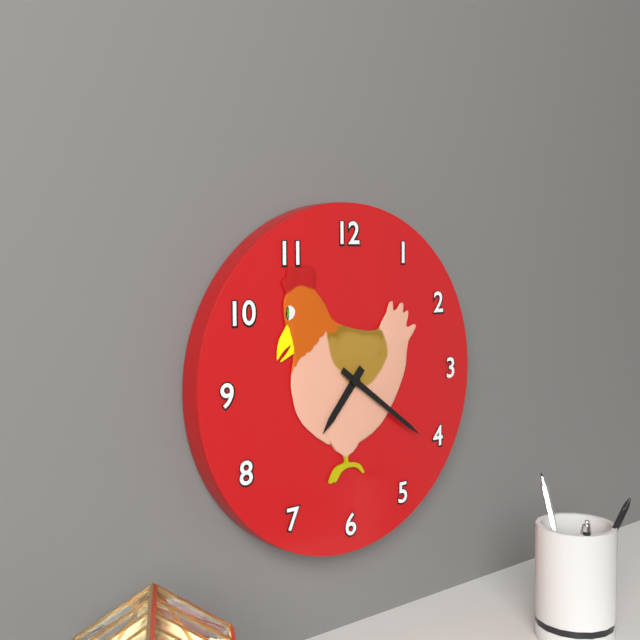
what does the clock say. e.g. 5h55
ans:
7h21
